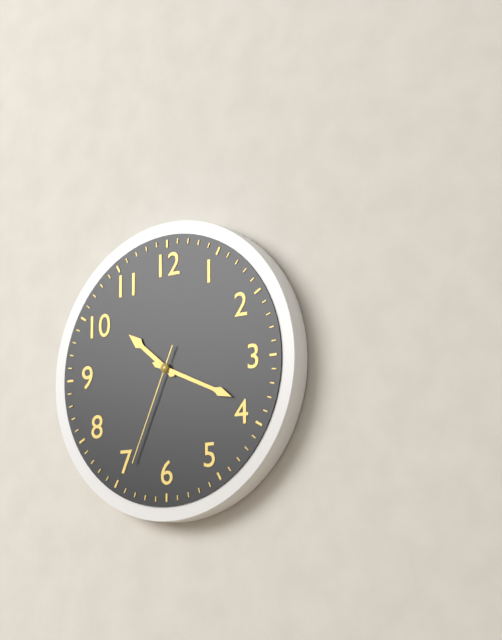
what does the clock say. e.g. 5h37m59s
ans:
10h19m34s
